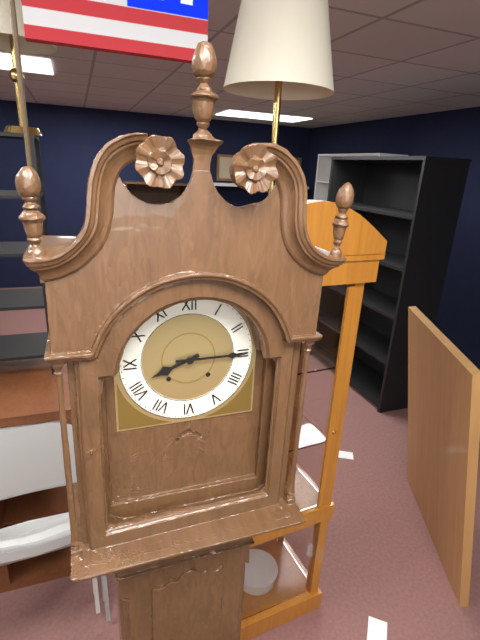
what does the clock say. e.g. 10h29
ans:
8h15
